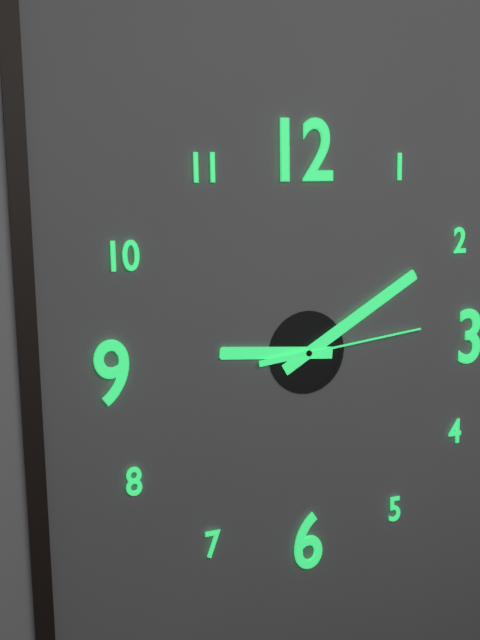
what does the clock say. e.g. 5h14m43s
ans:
9h10m14s
